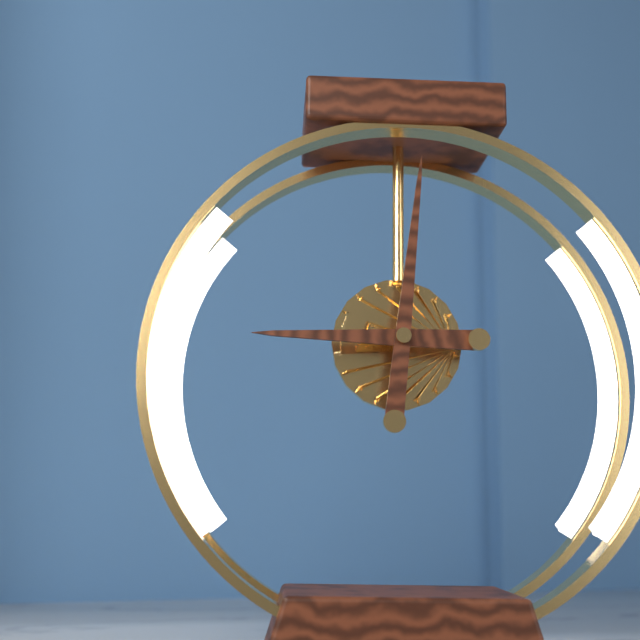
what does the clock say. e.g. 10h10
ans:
9h01
